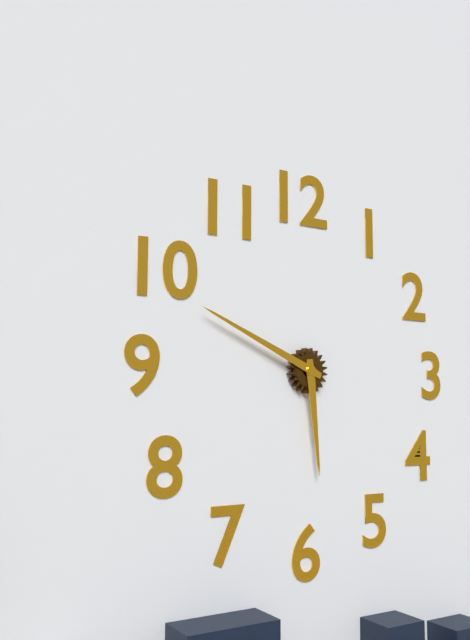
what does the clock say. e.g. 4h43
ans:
5h49
